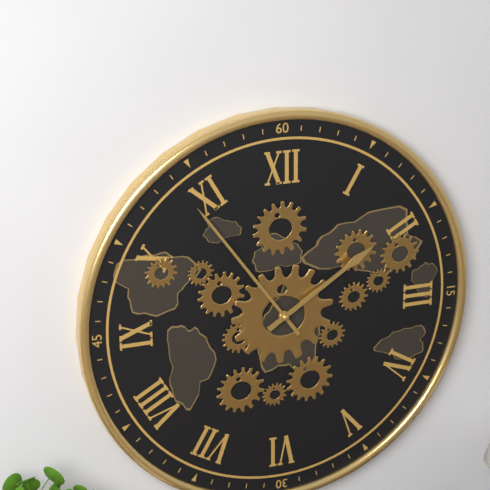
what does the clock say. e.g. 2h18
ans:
1h54
